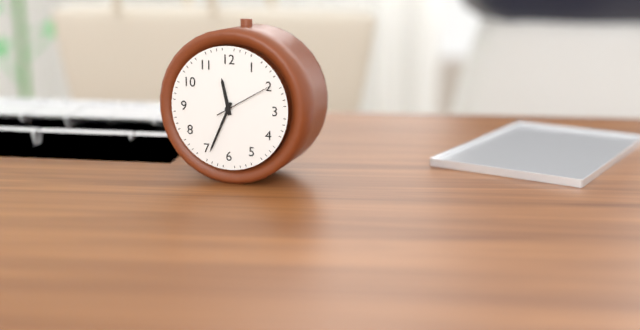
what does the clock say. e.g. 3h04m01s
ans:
11h34m10s
